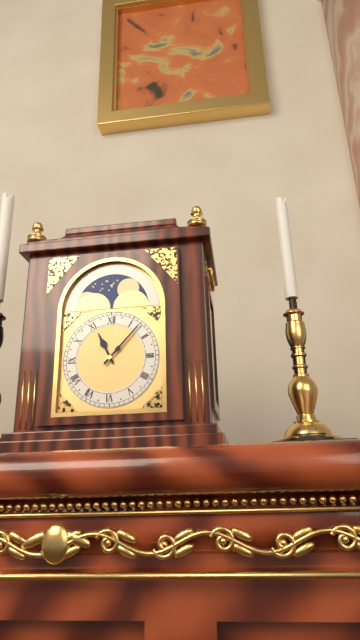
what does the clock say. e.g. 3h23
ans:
11h07
